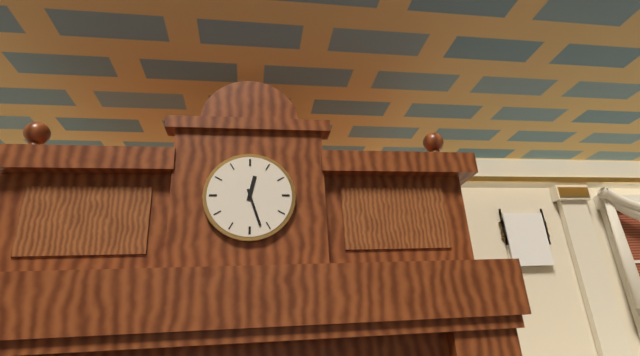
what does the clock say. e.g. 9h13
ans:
12h27
